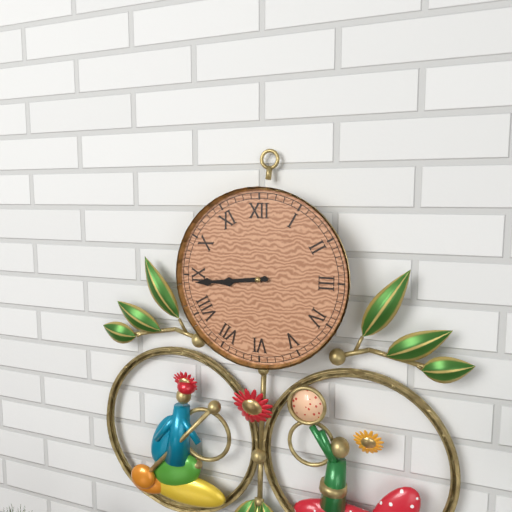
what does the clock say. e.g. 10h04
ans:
8h44
